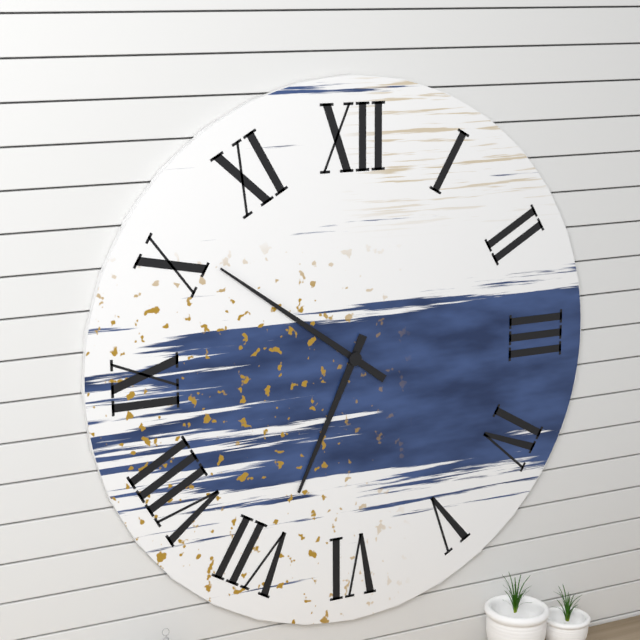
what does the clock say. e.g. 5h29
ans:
6h51
